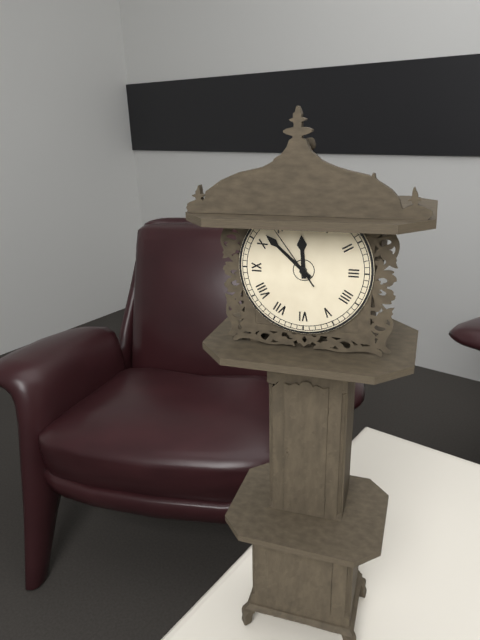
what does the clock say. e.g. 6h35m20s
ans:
11h52m54s
